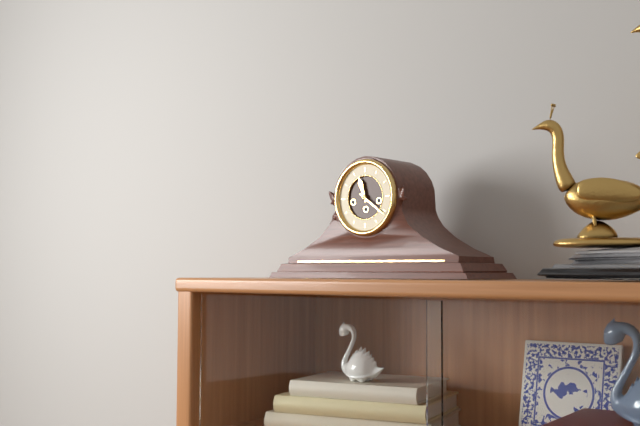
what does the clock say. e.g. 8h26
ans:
11h21
